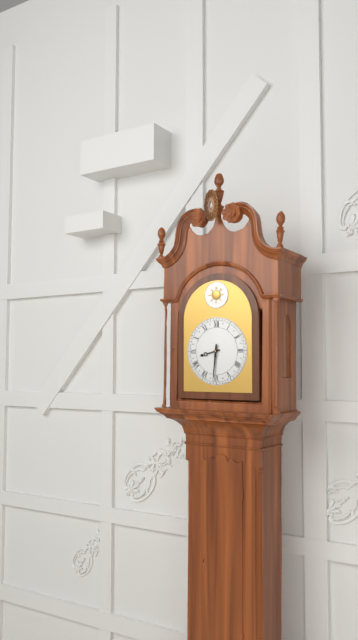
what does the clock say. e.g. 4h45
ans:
8h31
